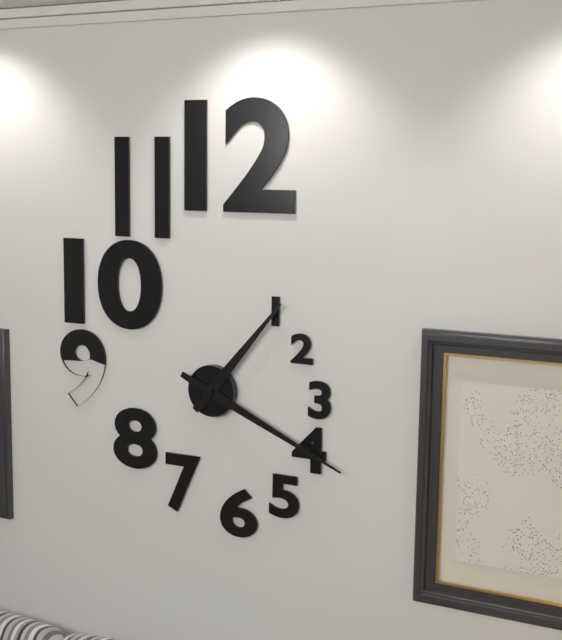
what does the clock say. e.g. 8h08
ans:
1h19
